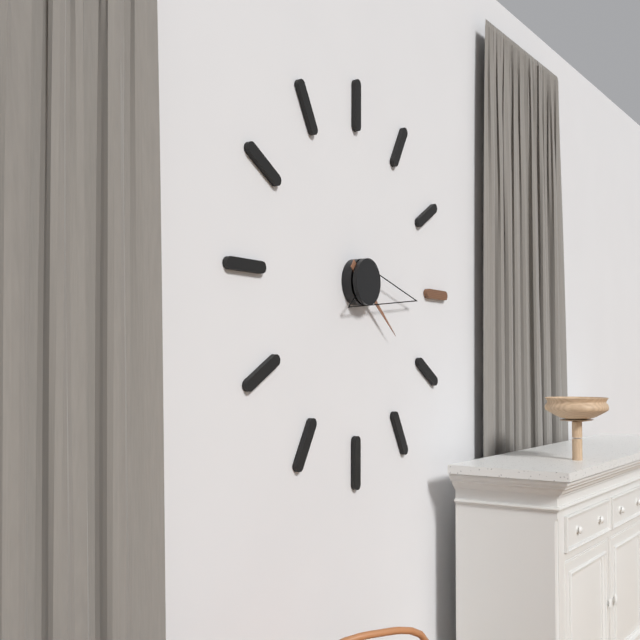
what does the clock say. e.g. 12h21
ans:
4h16
